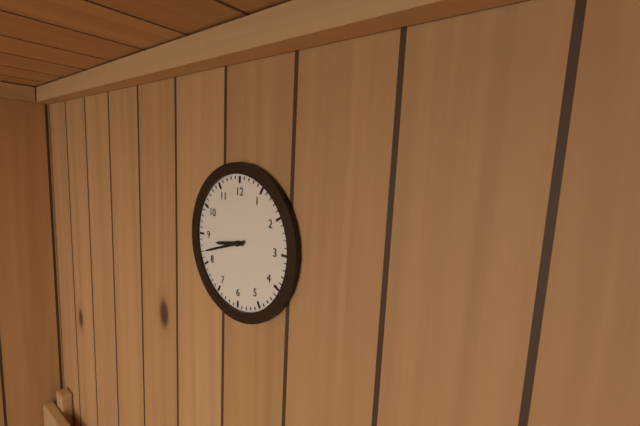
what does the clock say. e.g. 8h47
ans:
8h42
